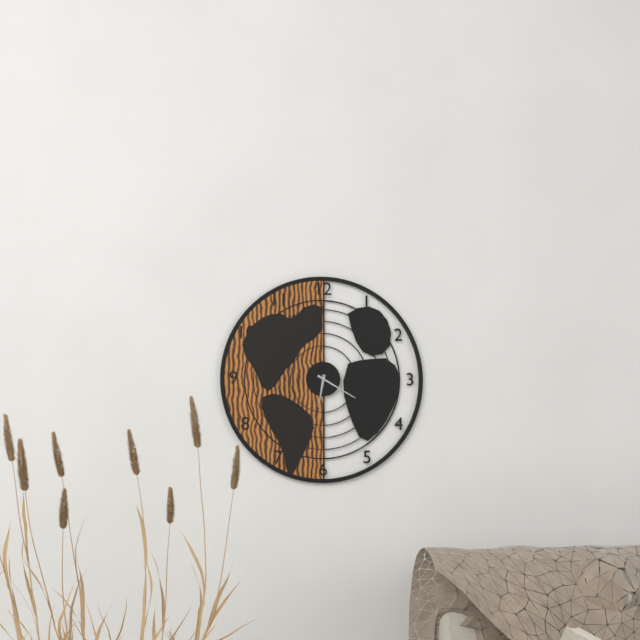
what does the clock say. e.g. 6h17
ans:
6h20
